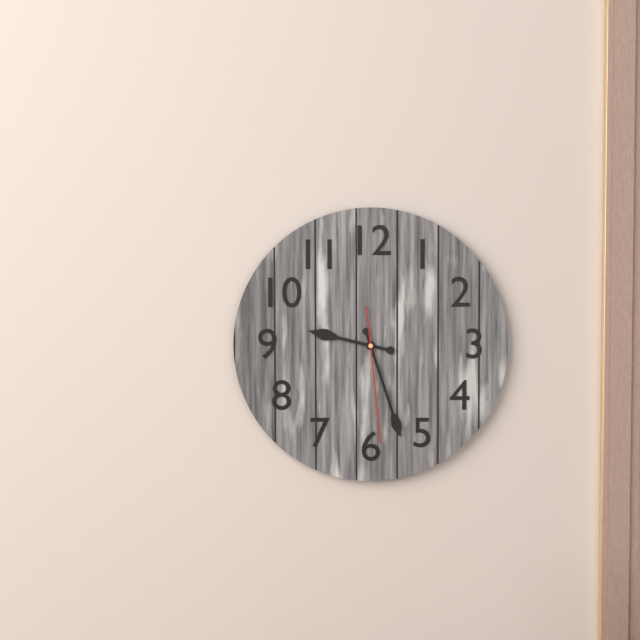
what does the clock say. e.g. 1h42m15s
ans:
9h27m29s
